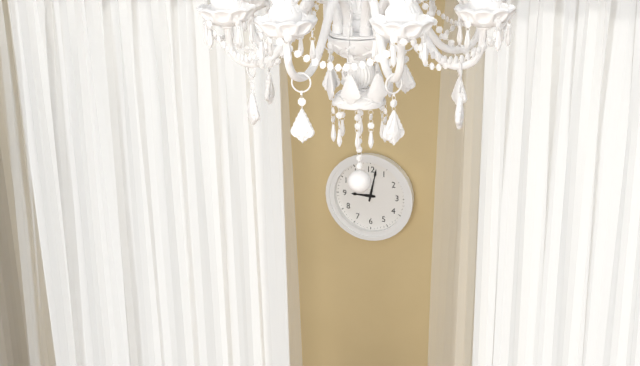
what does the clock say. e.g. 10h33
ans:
9h02
